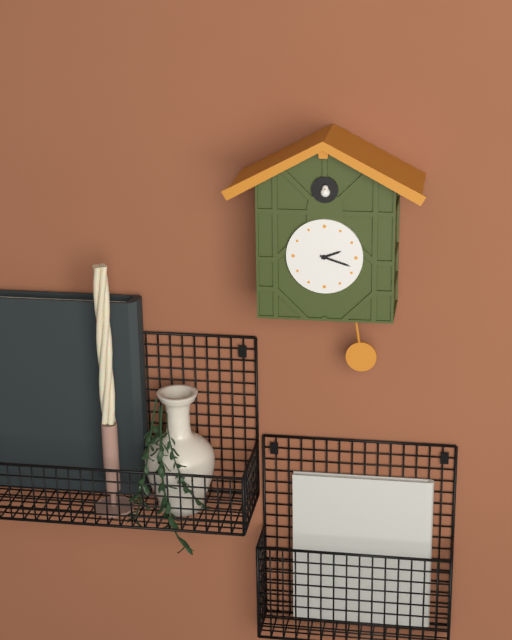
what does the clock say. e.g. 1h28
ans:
2h18
